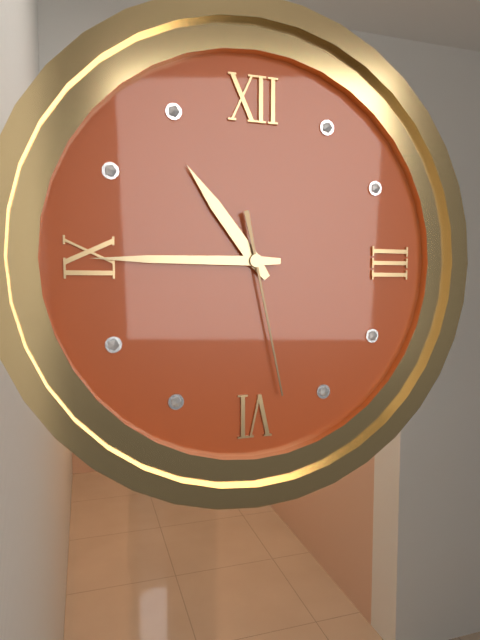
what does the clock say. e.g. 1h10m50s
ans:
10h45m28s
